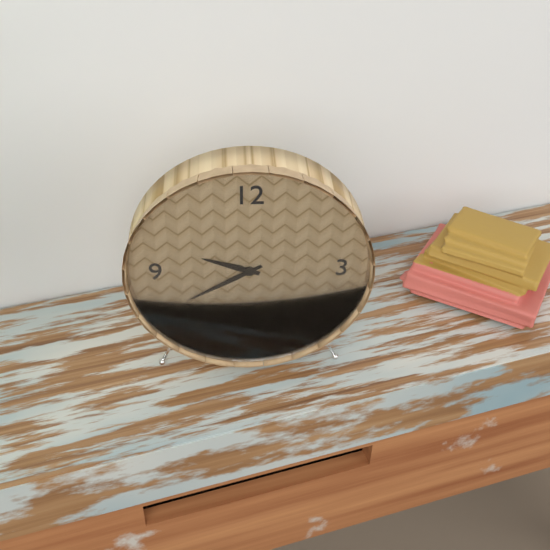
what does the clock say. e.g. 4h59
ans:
9h40
